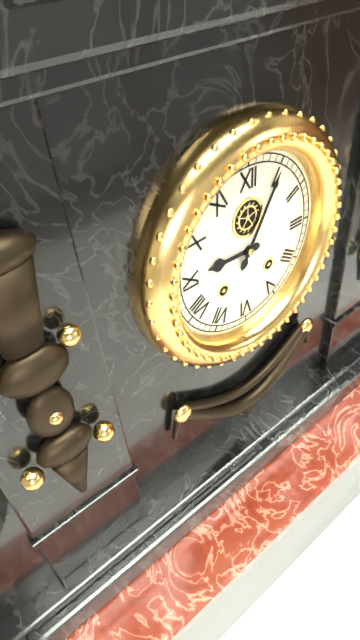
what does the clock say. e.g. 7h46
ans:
9h05
